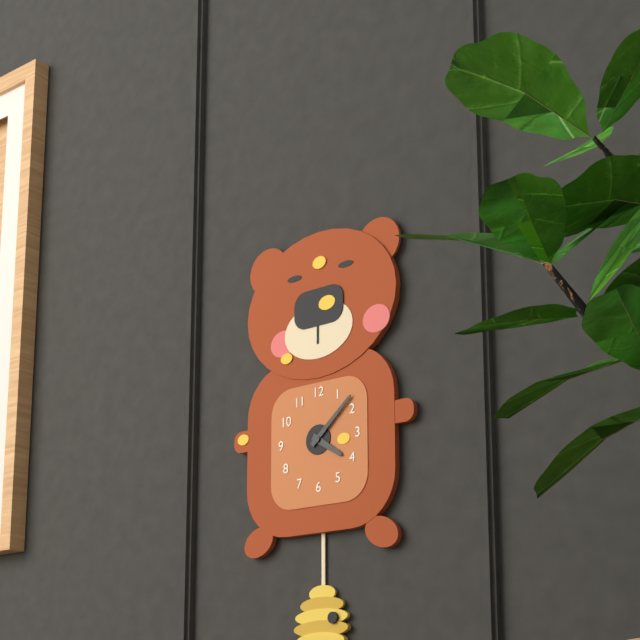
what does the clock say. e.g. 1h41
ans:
4h08
